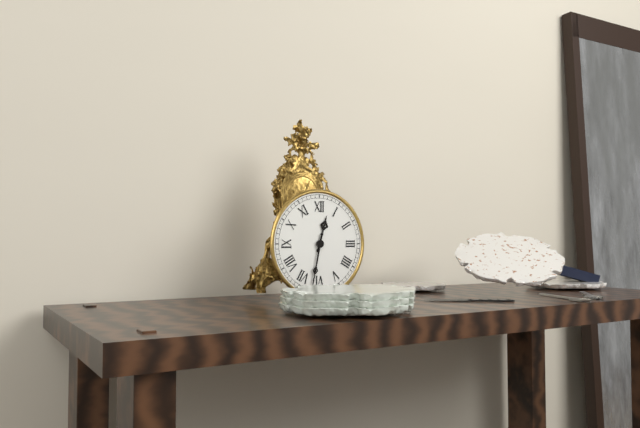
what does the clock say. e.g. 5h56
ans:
12h32
